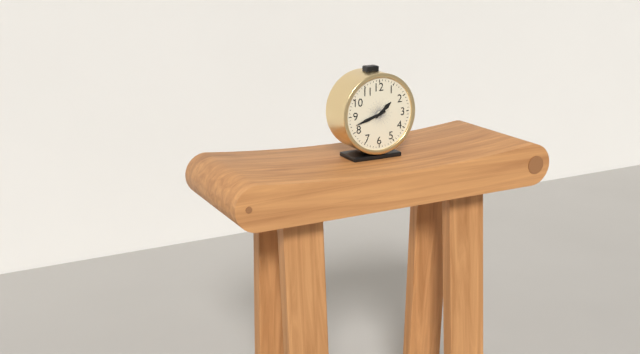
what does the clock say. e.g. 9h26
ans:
1h42
